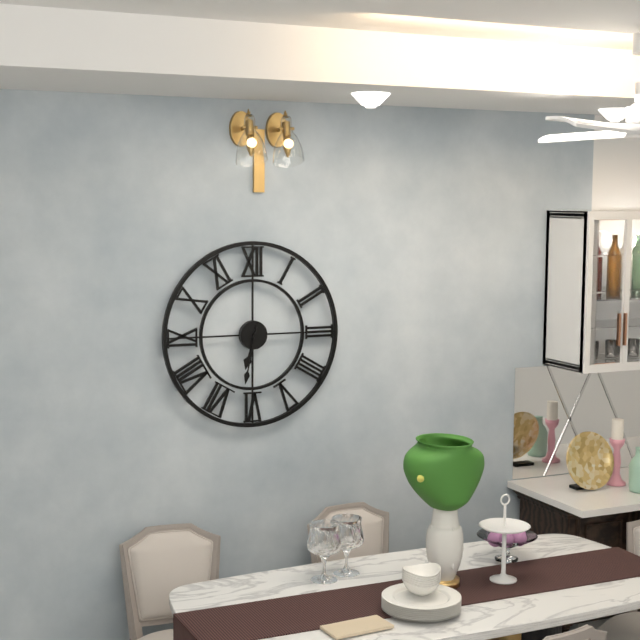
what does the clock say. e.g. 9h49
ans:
6h32
